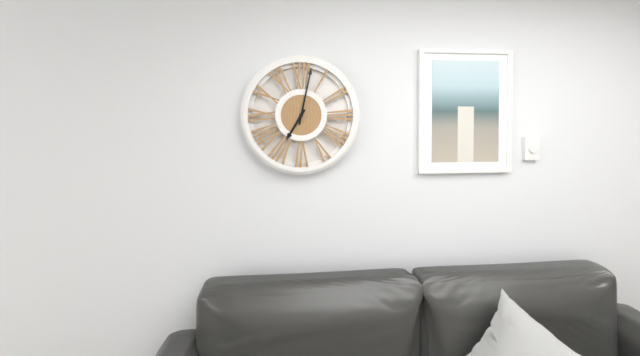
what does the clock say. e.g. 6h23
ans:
7h02
